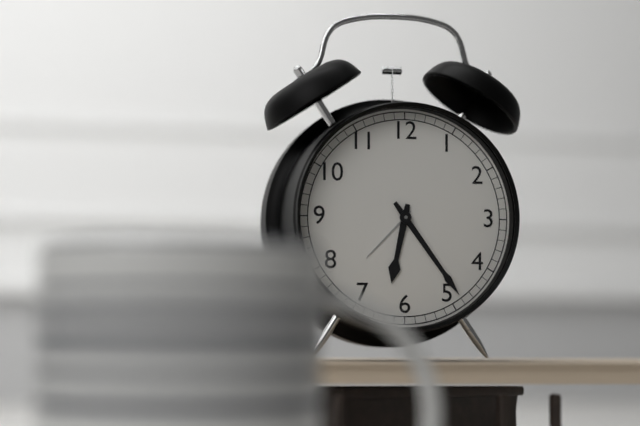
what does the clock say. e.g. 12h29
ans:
6h24
